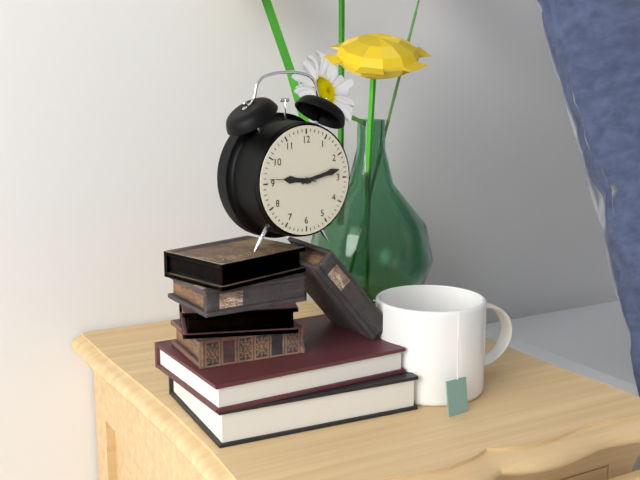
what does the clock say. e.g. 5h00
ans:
9h13
